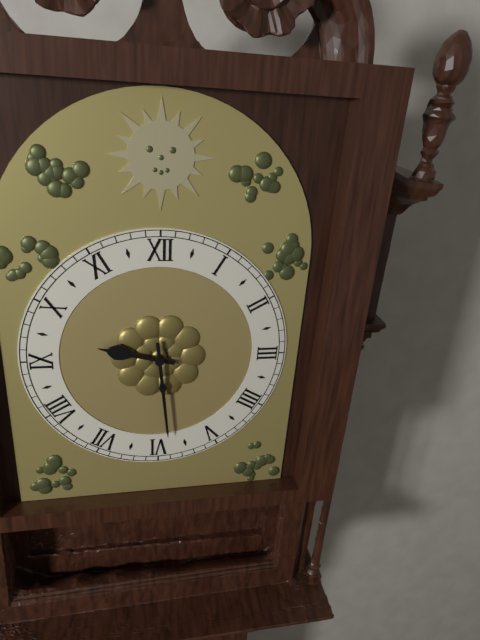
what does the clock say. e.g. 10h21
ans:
9h29
